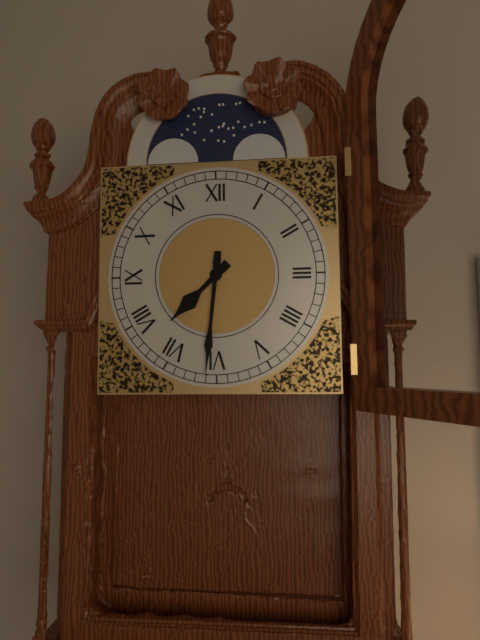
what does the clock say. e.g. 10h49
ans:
7h31
